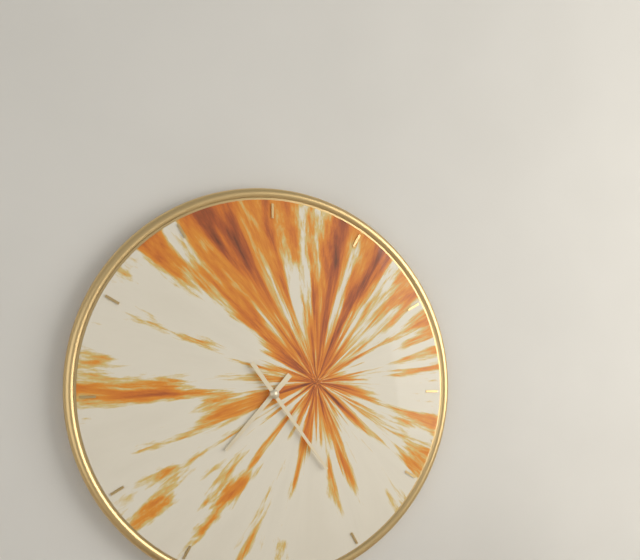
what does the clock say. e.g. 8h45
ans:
7h24
